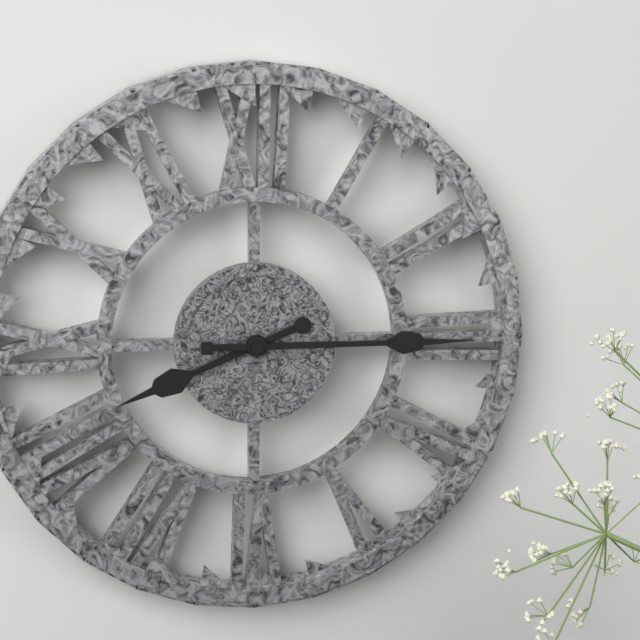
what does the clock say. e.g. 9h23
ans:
8h15
